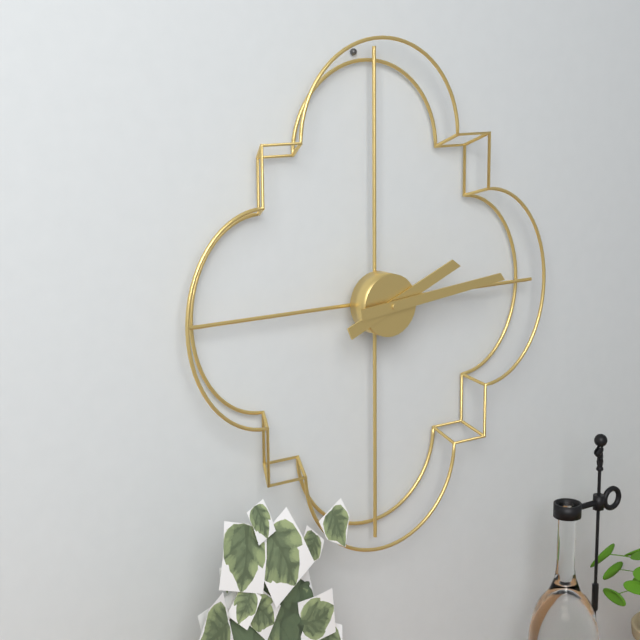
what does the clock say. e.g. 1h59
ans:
2h14
